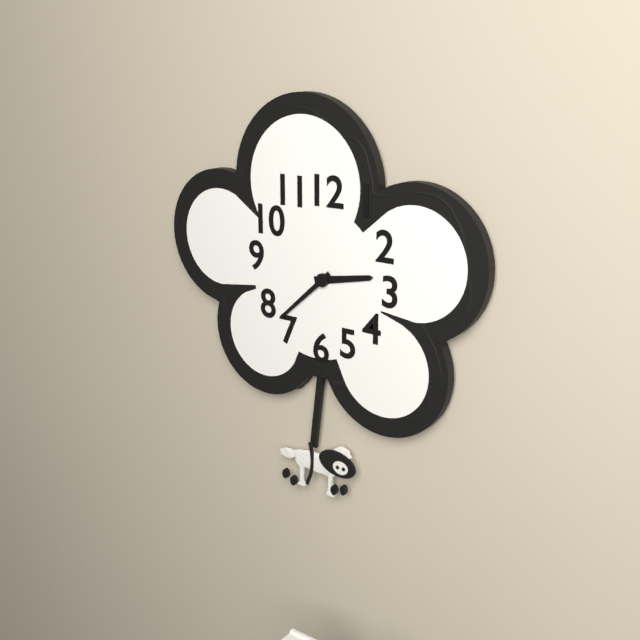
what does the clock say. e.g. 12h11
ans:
2h38
